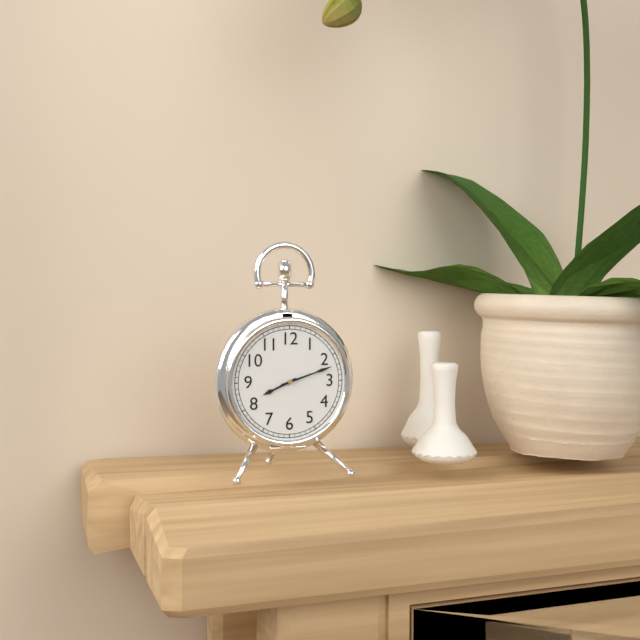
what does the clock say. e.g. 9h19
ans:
8h12
